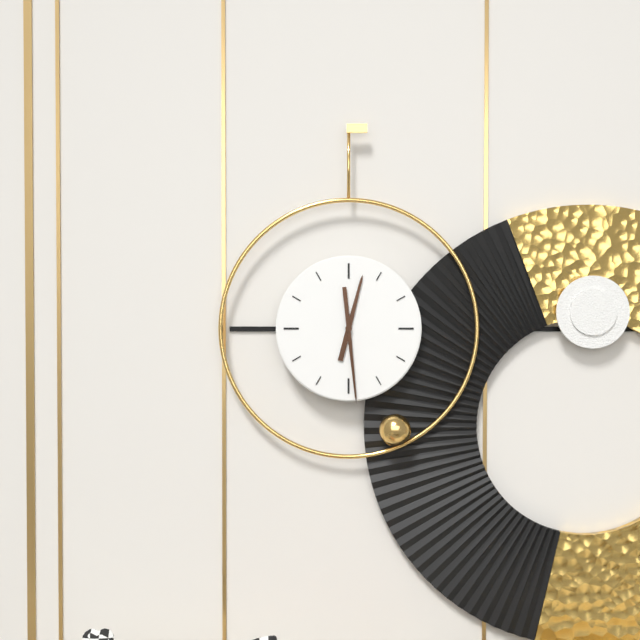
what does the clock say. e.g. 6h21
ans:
12h29
